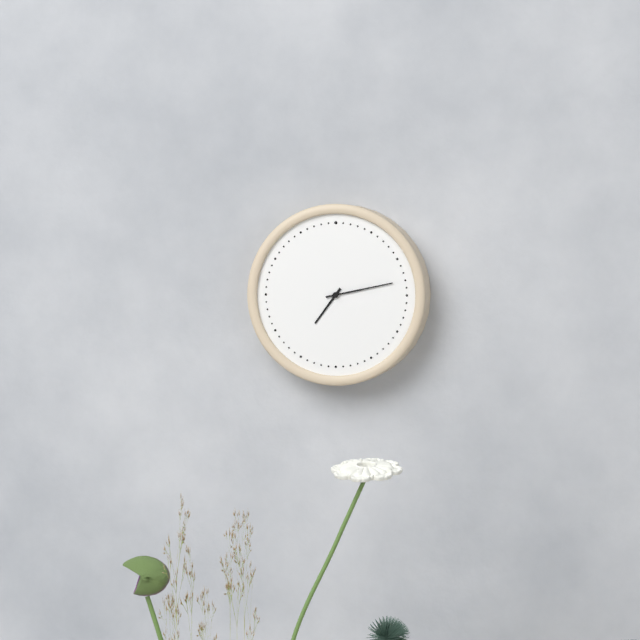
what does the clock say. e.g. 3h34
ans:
7h13
